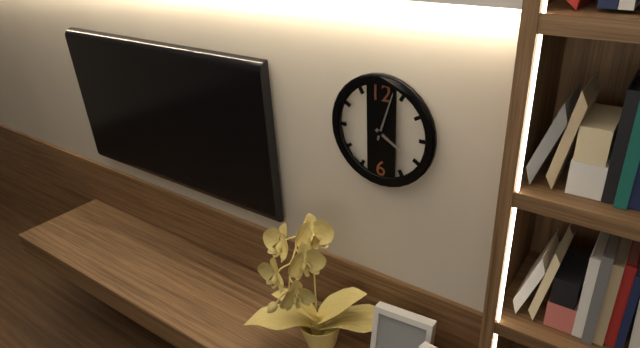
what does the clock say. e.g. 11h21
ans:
4h03
